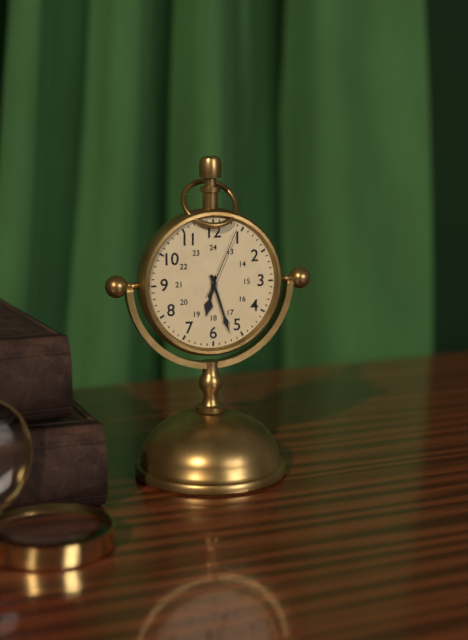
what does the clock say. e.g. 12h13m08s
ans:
6h27m04s
